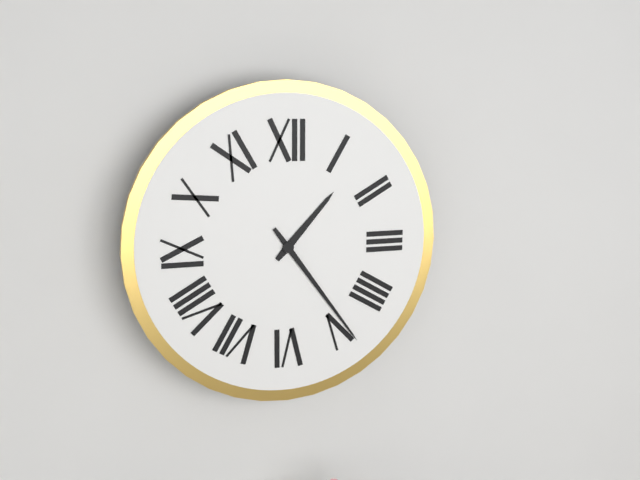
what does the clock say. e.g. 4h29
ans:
1h24
